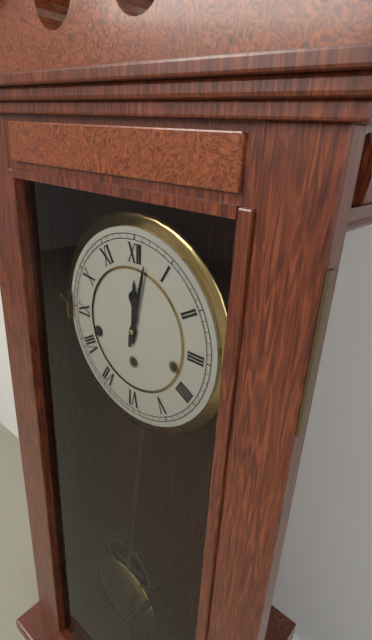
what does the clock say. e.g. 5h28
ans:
12h02
